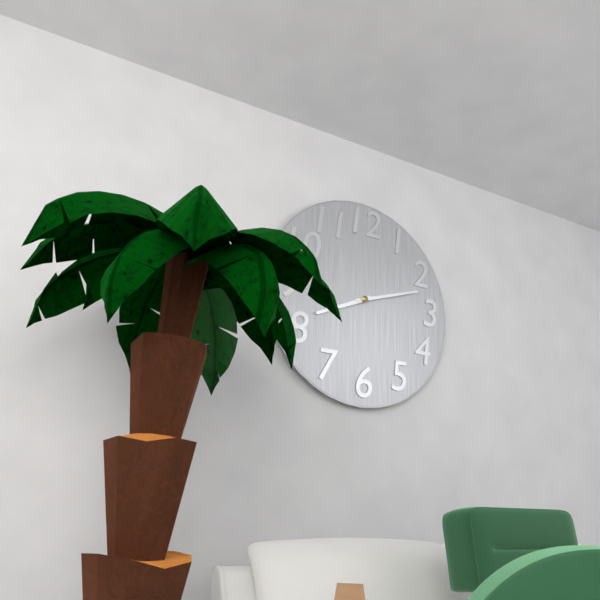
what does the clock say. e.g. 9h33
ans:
8h12
